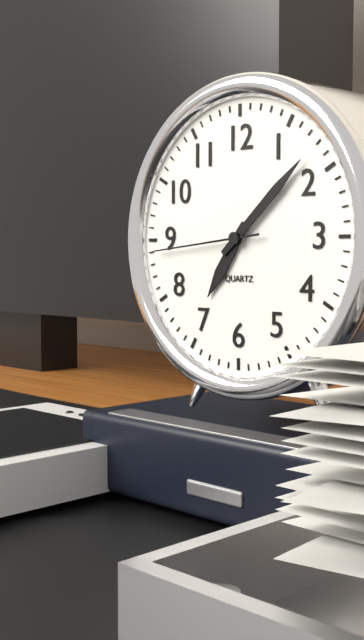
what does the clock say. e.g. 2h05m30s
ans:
7h08m44s
